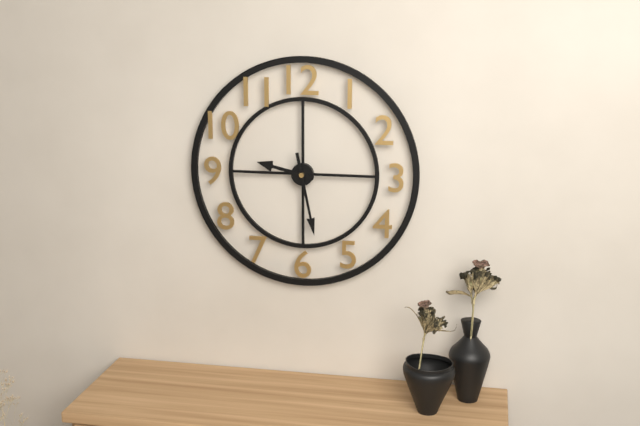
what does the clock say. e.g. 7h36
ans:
9h28
